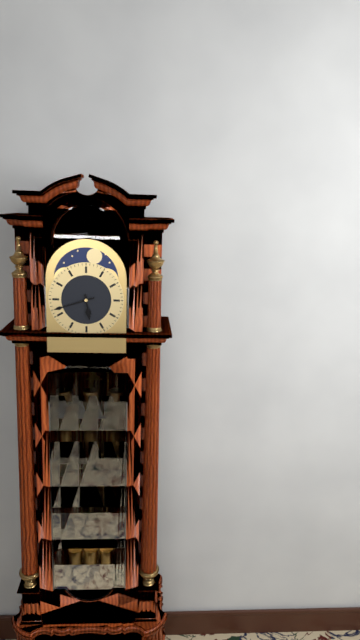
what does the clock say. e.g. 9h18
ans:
5h42
